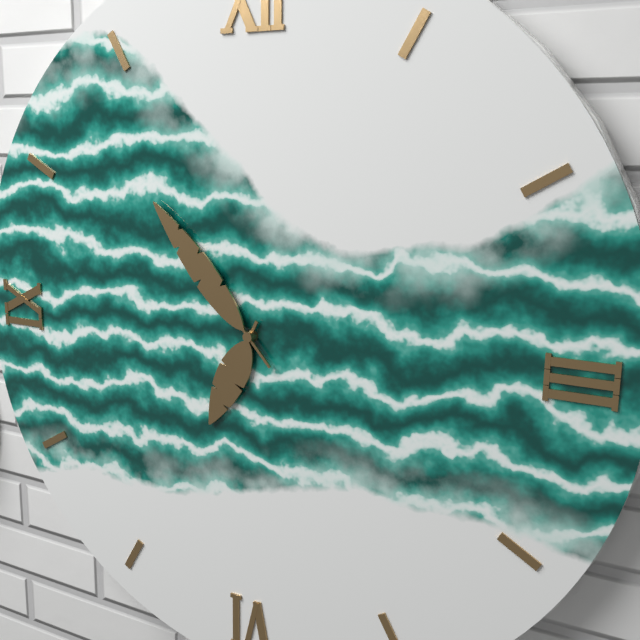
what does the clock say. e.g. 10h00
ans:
6h53
